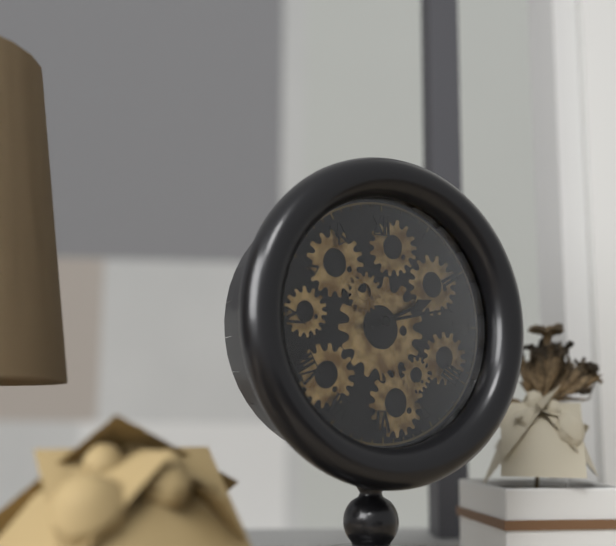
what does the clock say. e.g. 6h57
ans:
2h13
